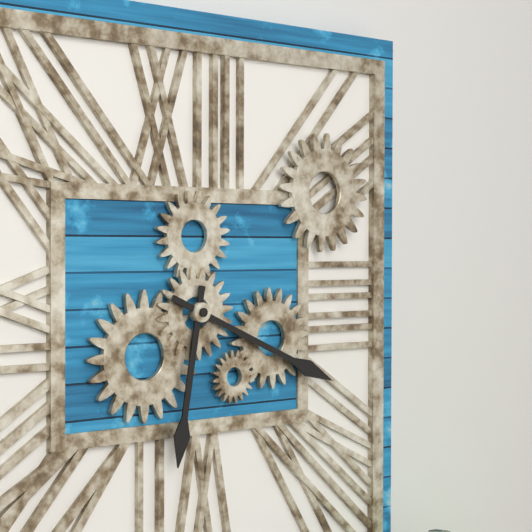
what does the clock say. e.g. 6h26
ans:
6h19
